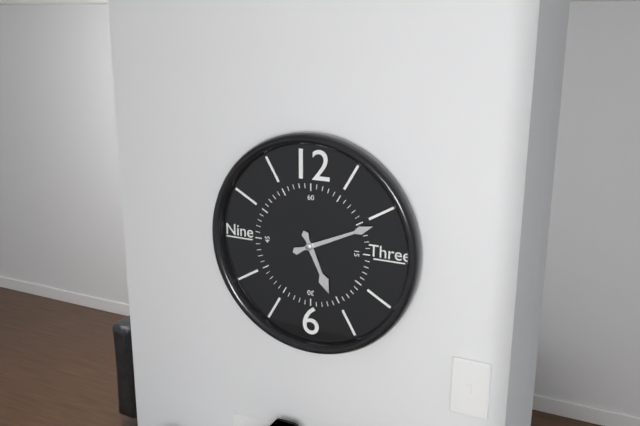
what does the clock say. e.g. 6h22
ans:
5h11
